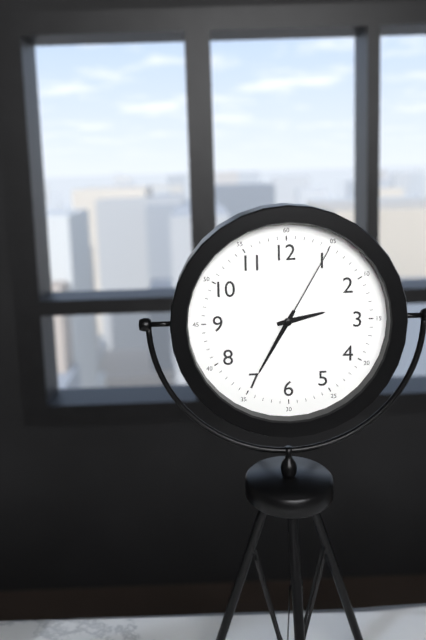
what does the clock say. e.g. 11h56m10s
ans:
2h35m05s
